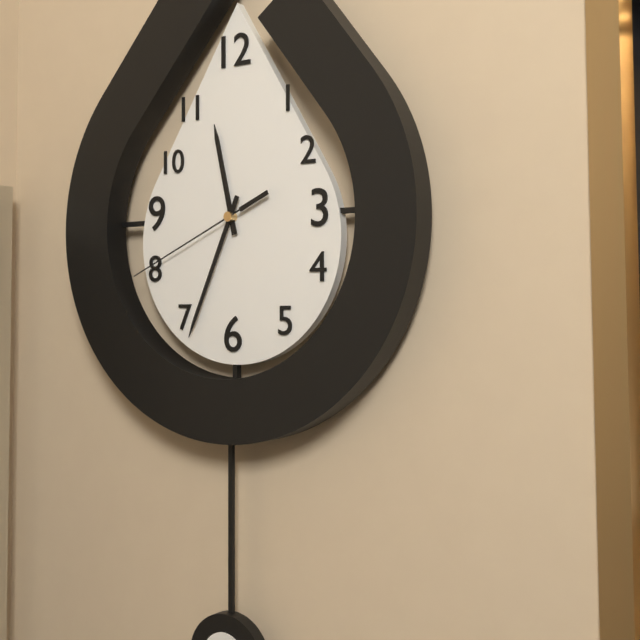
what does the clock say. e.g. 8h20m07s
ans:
11h34m41s
